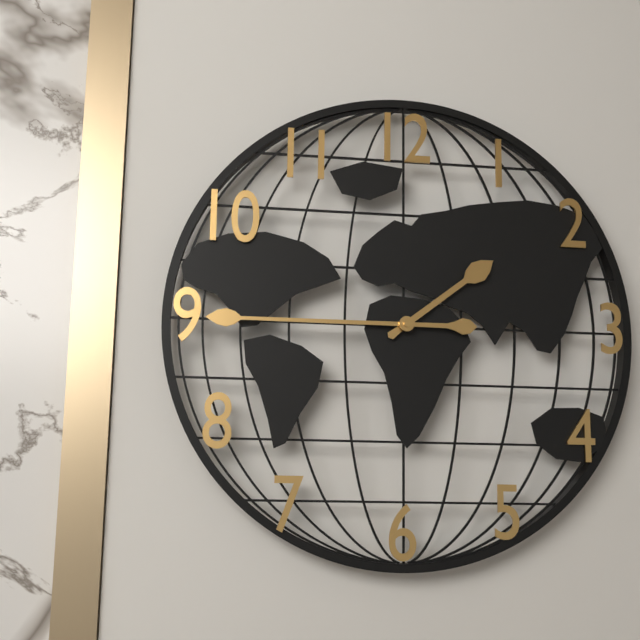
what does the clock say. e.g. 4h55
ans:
1h45
